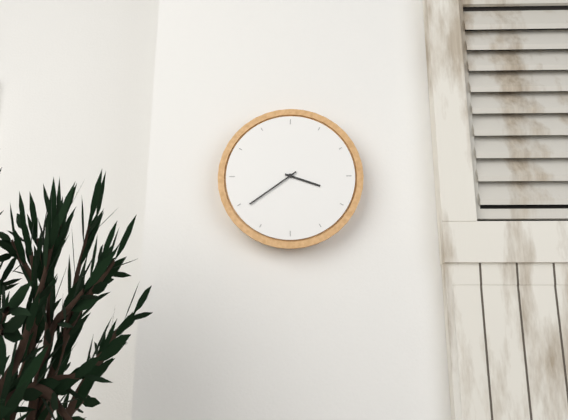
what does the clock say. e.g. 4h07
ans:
3h39
